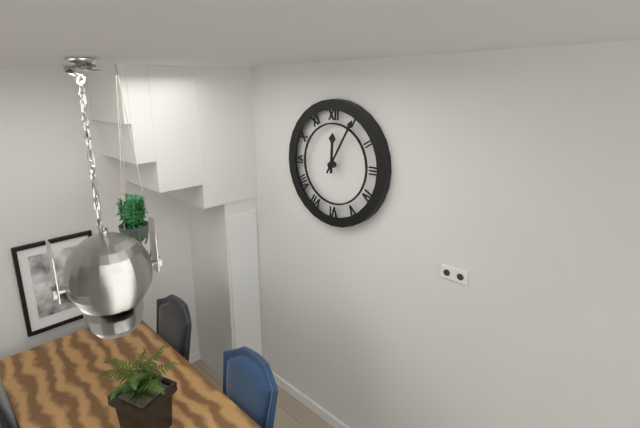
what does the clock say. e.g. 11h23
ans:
12h05
